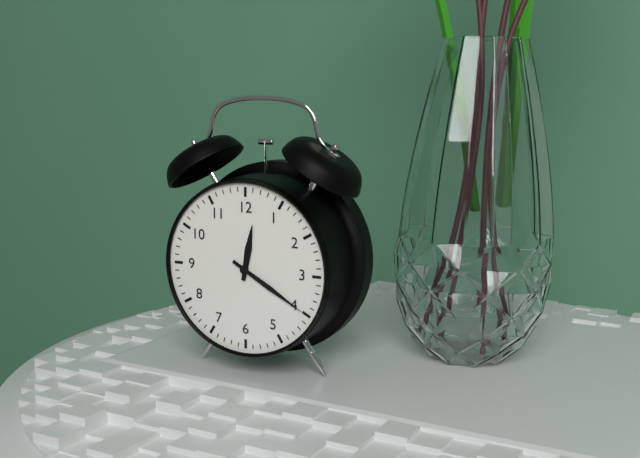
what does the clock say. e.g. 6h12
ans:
12h20
